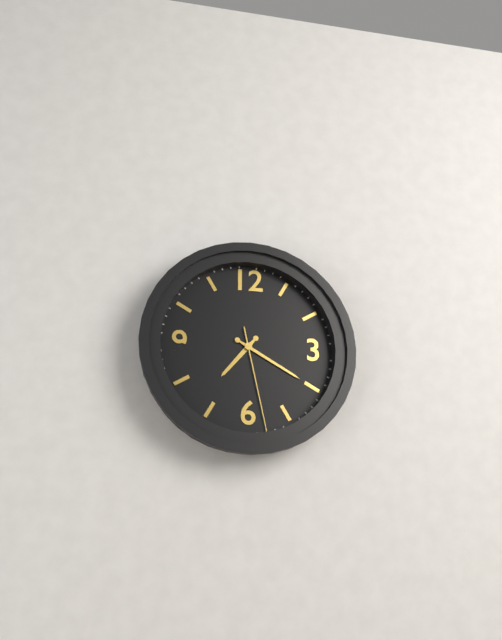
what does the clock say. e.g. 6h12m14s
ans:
7h20m28s
